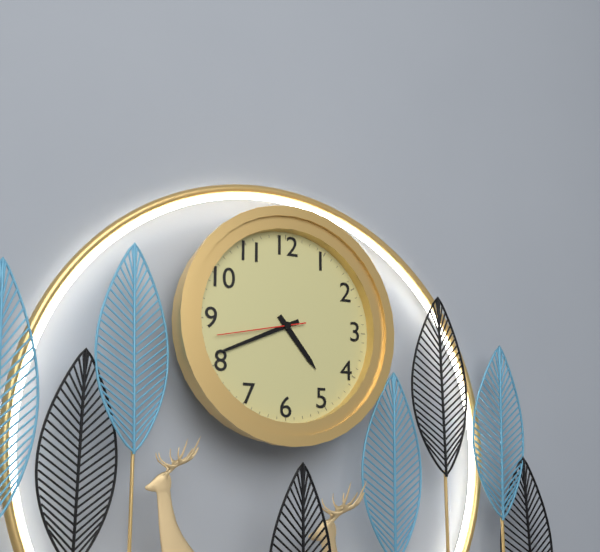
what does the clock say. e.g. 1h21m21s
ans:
4h41m43s
